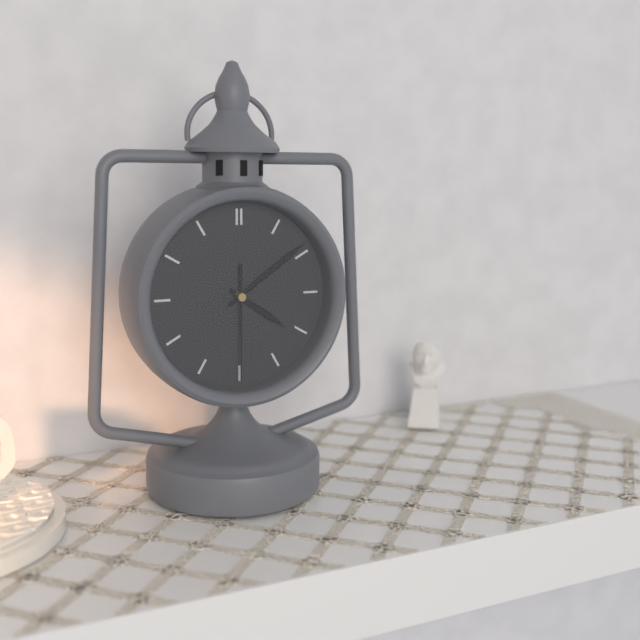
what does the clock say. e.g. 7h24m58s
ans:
4h09m30s
